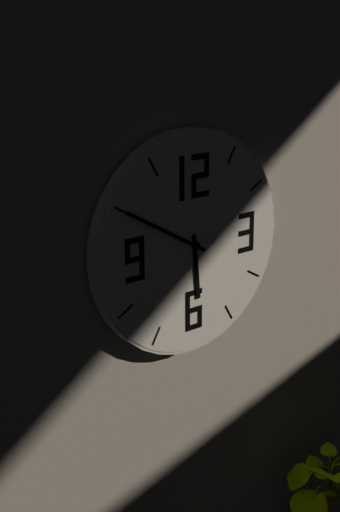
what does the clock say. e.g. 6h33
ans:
5h50
